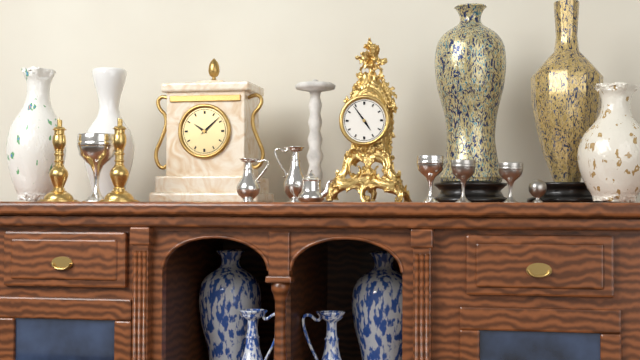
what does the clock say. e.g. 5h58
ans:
4h54
